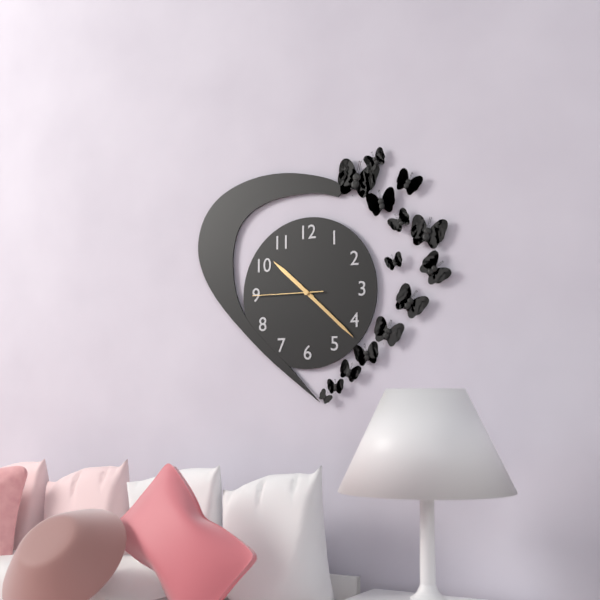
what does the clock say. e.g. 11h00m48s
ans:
10h22m45s
